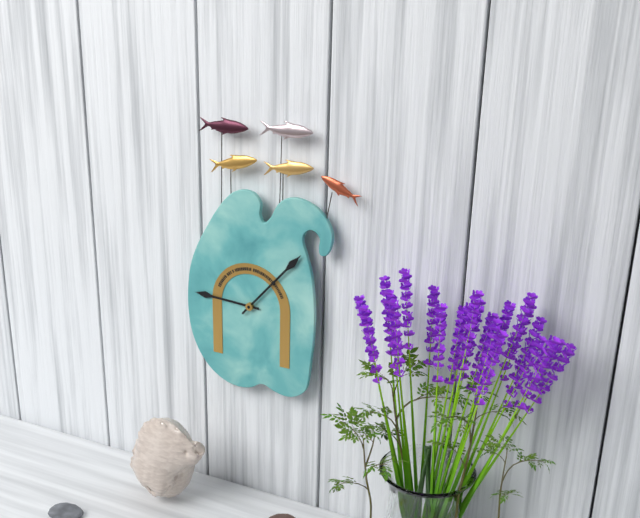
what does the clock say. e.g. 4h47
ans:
9h07
